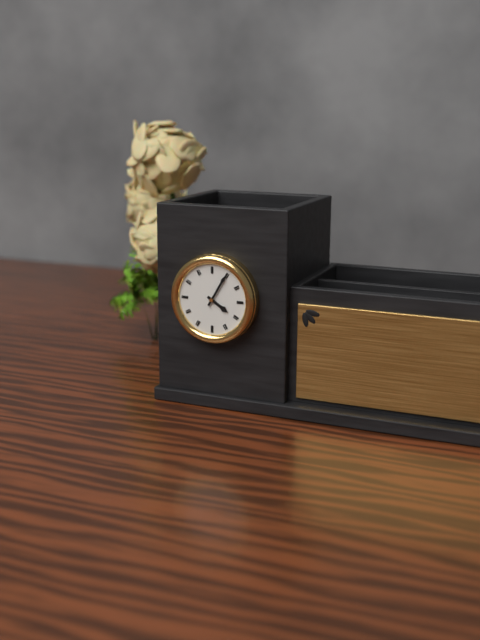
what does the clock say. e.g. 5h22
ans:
4h05
